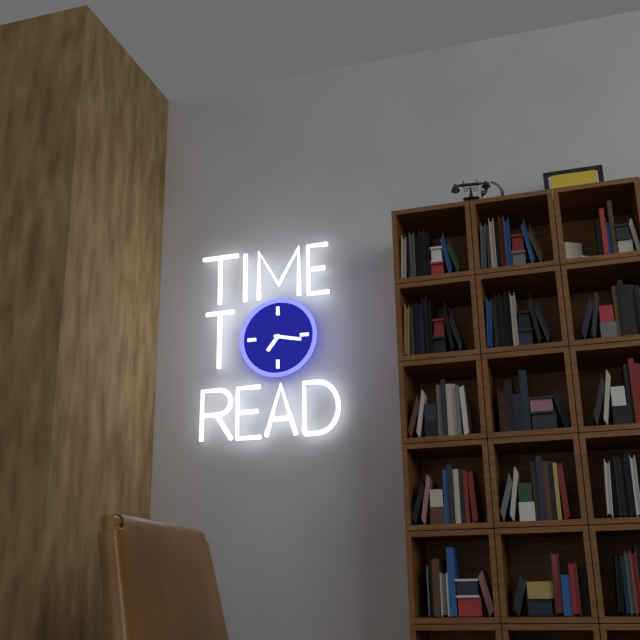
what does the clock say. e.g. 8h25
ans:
7h17
